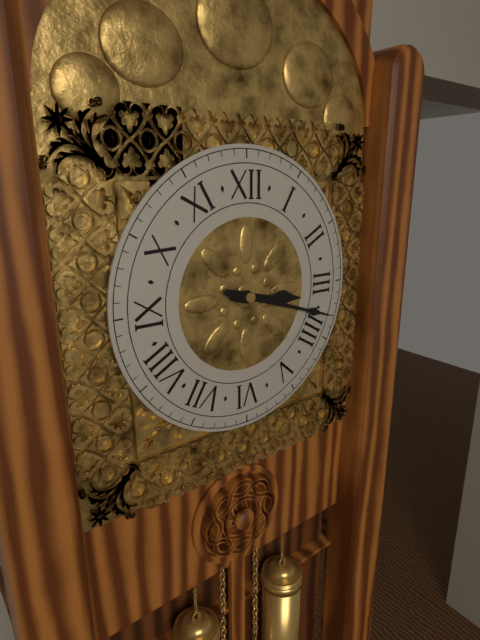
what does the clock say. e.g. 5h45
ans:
3h18
